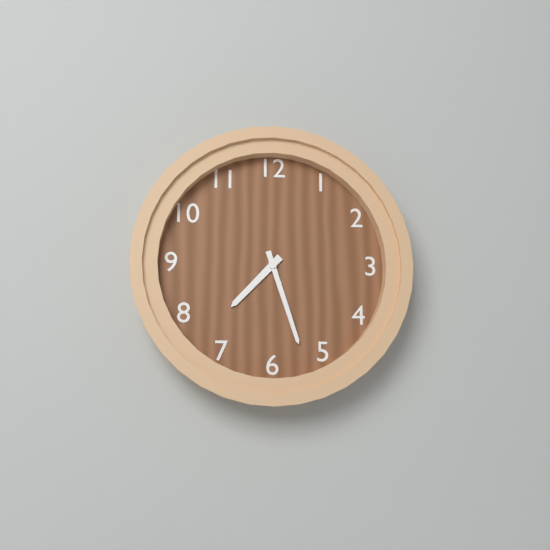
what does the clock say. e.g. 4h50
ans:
7h27
